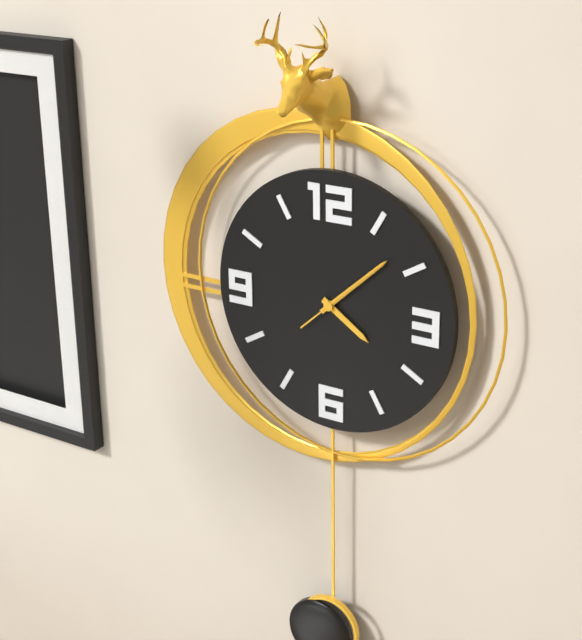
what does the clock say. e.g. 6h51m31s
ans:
4h08m08s
